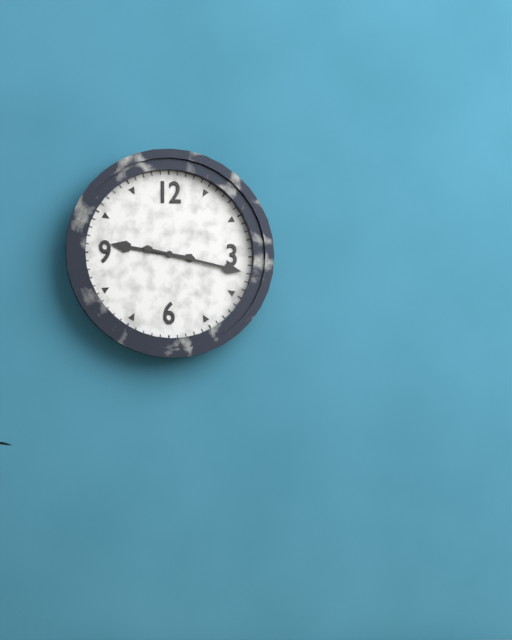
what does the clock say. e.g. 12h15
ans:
9h17
